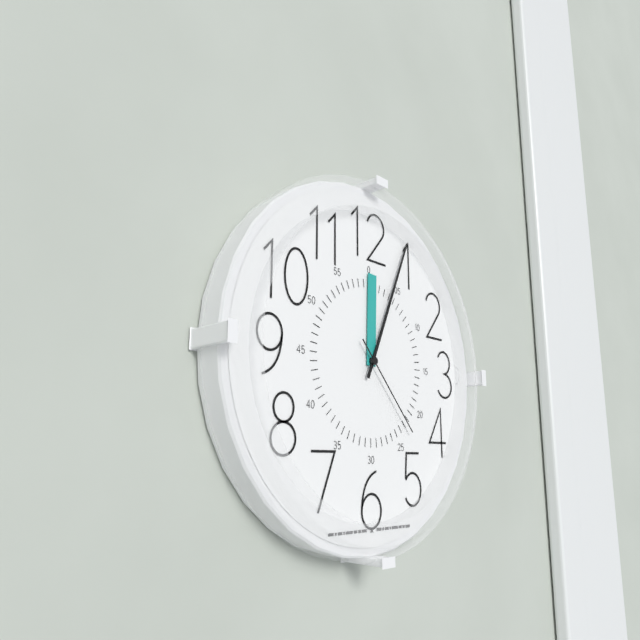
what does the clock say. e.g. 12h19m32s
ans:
12h04m23s
